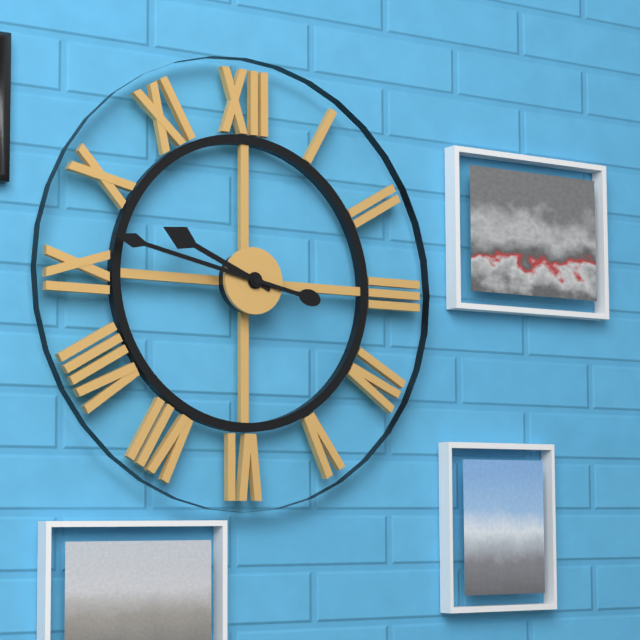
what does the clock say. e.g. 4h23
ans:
9h47
